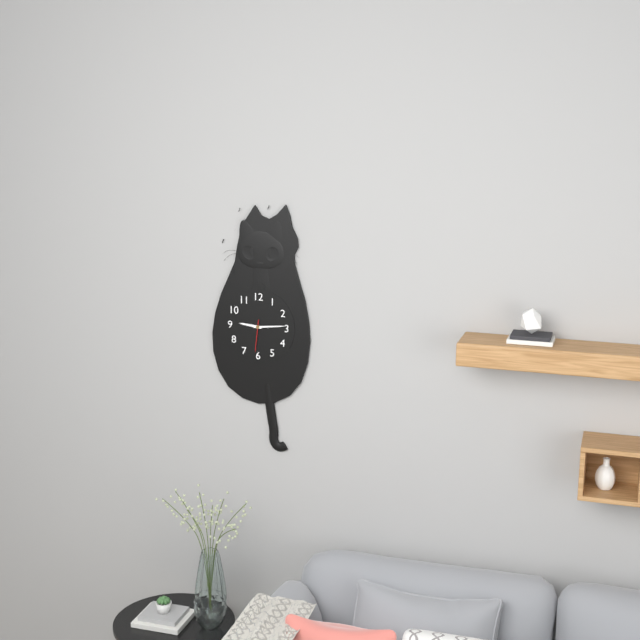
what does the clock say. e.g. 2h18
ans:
9h14
